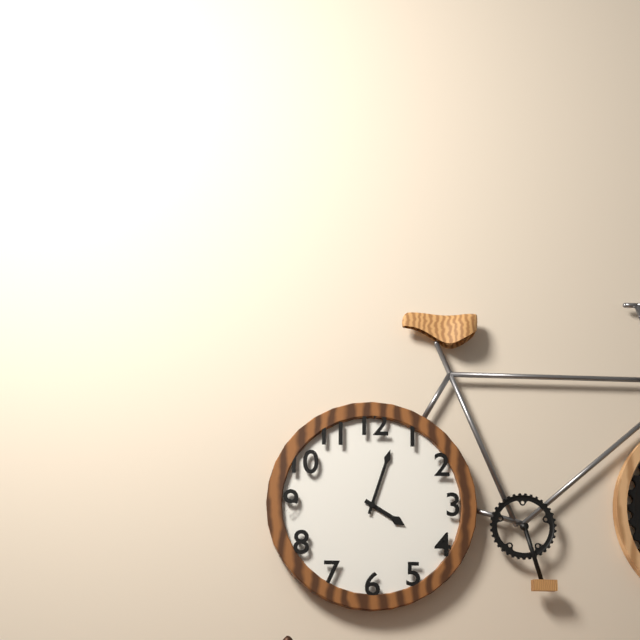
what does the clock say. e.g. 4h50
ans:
4h03
